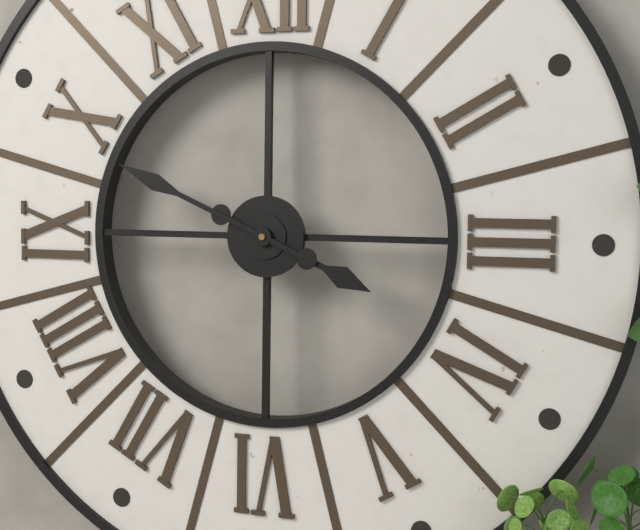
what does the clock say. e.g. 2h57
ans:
3h49
